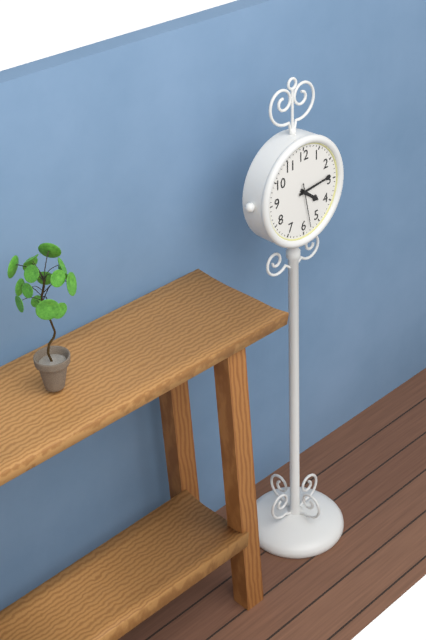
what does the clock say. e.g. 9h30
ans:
4h14
